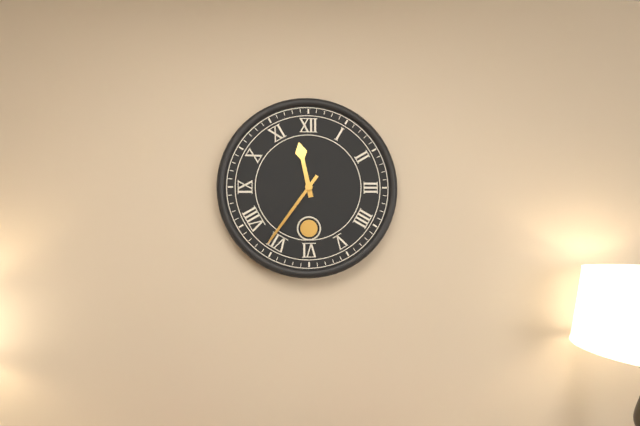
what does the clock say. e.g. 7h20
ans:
11h36
